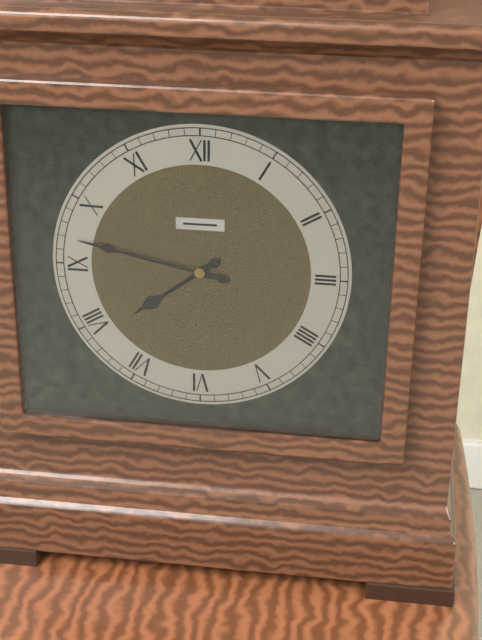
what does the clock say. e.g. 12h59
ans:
7h47
